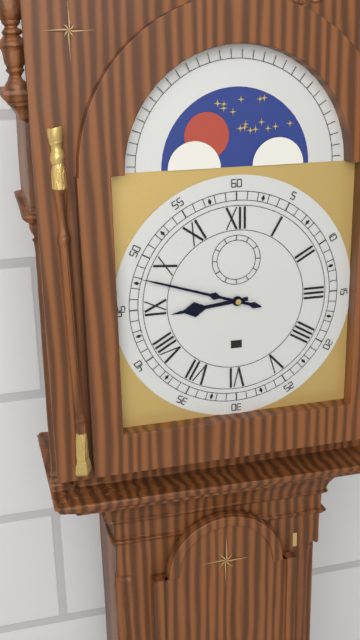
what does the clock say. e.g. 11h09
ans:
8h48
